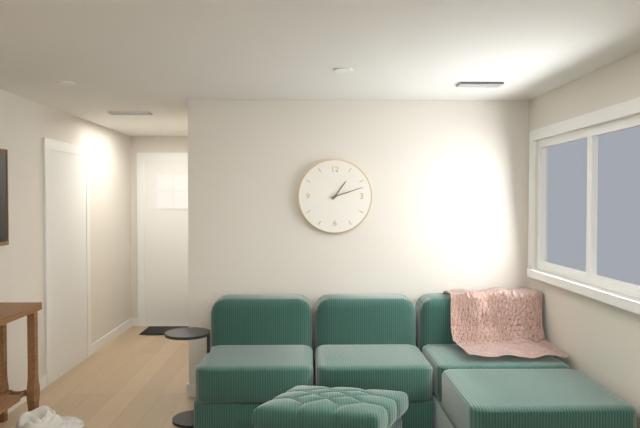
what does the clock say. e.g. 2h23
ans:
1h12
